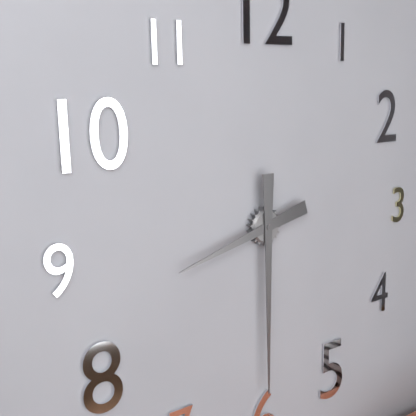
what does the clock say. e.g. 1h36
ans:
8h30
